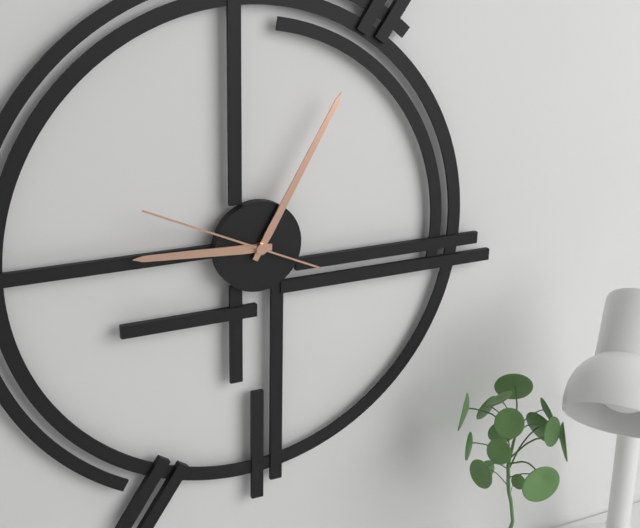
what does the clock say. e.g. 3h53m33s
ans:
9h05m49s
